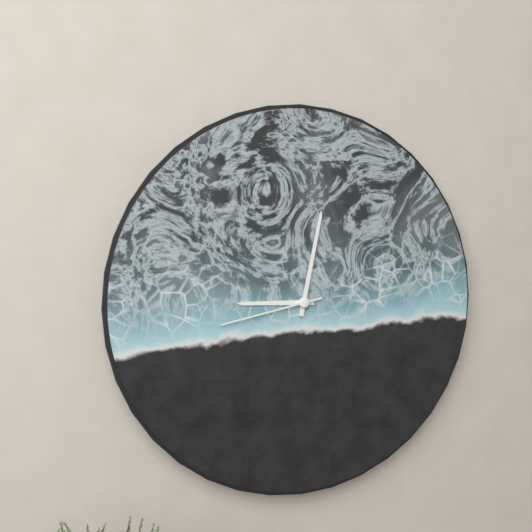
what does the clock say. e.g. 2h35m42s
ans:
9h02m43s
